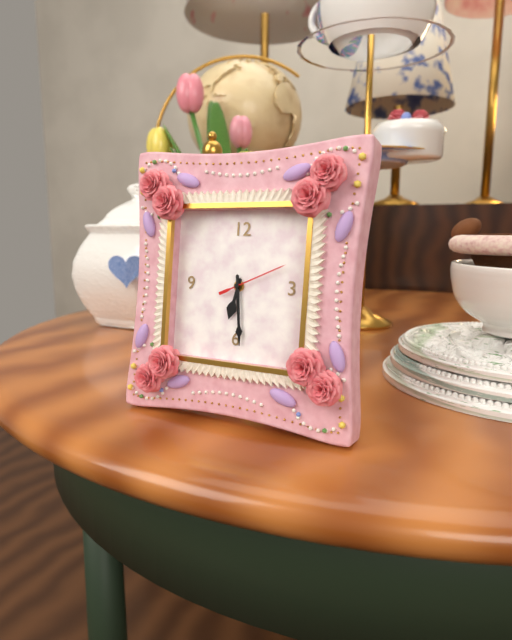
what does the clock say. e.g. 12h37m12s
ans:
6h29m11s
